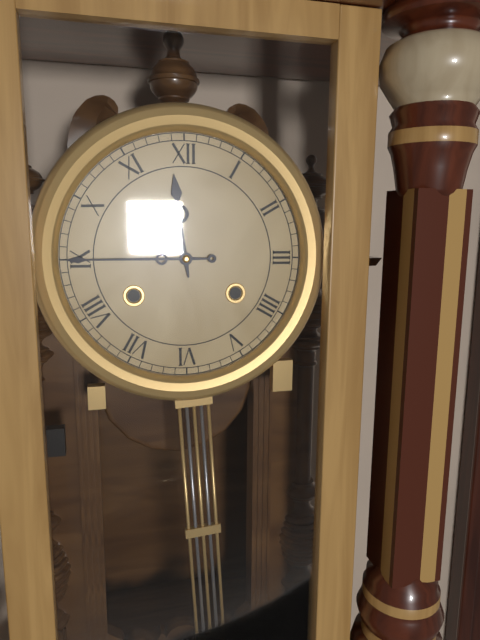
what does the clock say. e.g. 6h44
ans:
11h45
